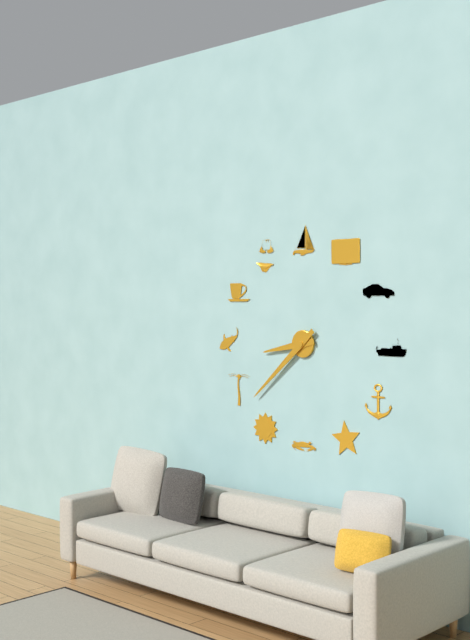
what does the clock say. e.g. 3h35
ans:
8h38
